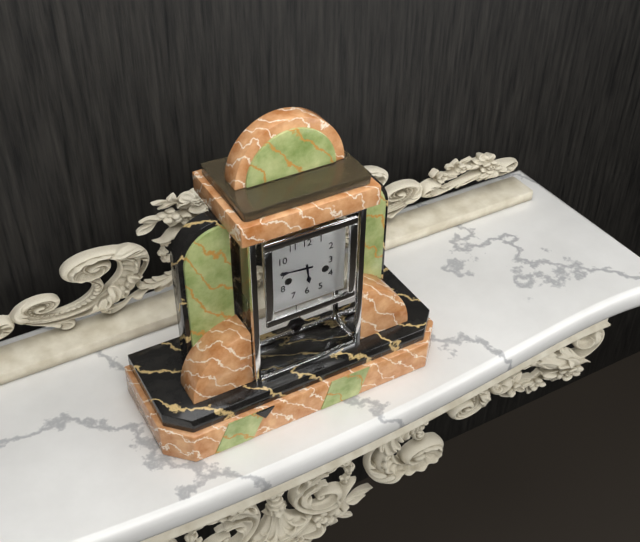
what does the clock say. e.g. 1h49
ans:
5h46
